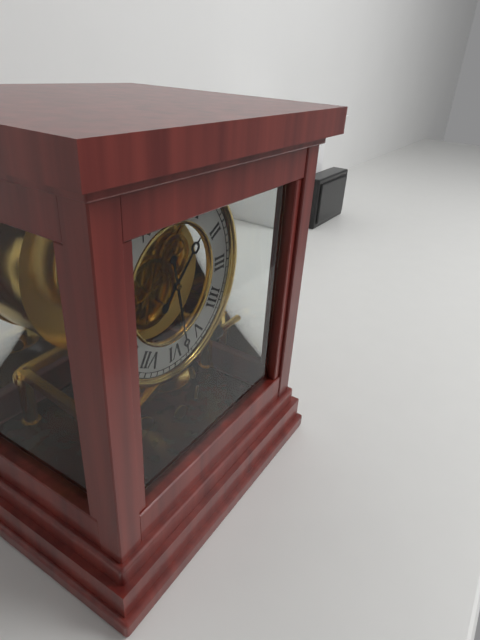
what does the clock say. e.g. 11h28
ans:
1h28
